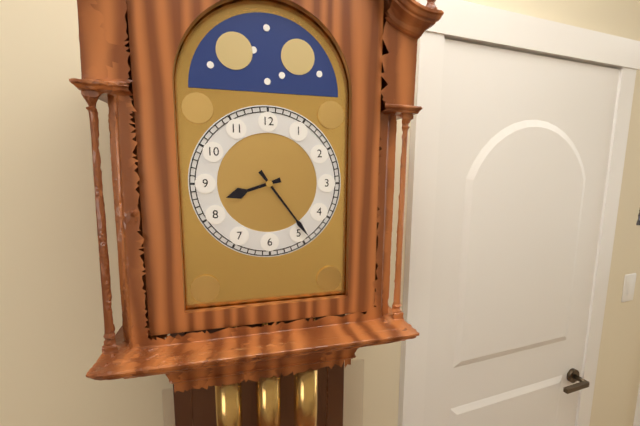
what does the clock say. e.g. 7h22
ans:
8h24
